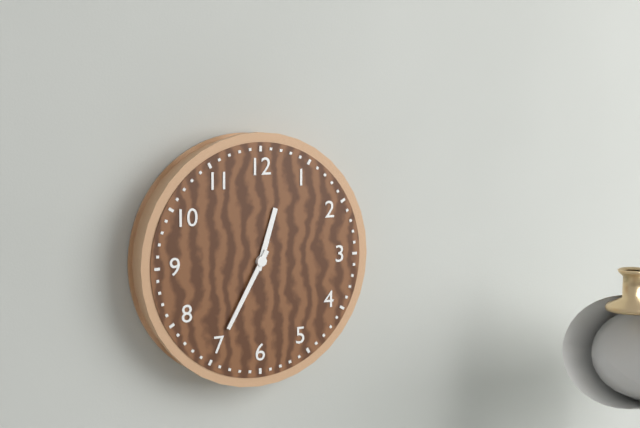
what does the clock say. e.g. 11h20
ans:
12h35
